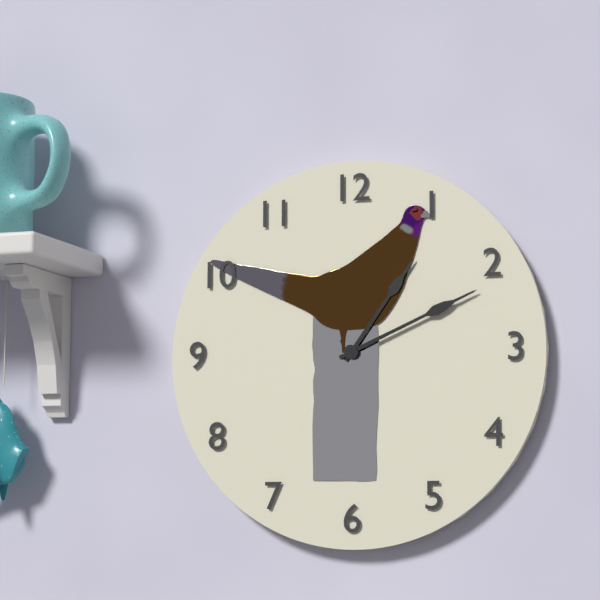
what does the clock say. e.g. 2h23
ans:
1h11
